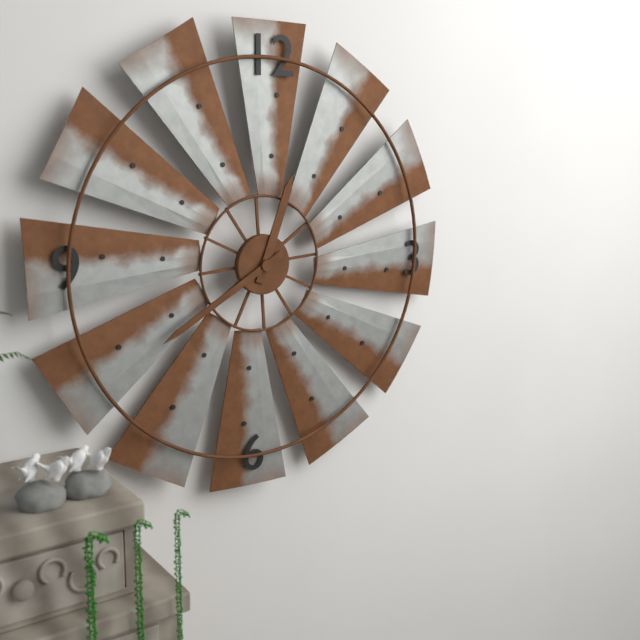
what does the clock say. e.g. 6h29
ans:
12h40
